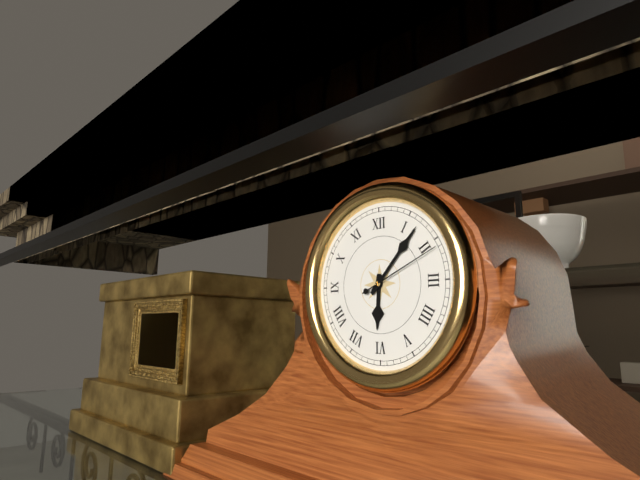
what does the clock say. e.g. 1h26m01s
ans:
6h07m11s
